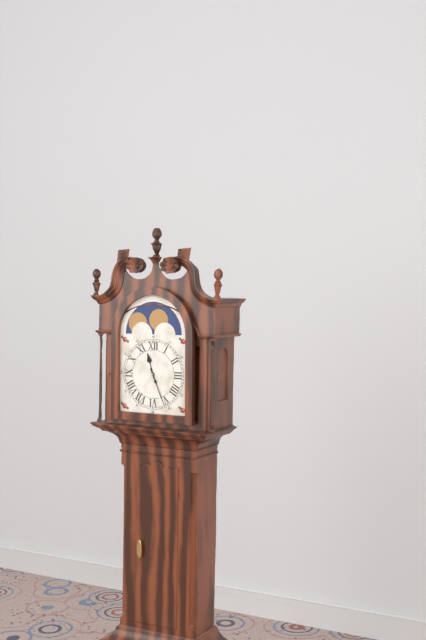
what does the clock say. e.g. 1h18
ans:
11h26
